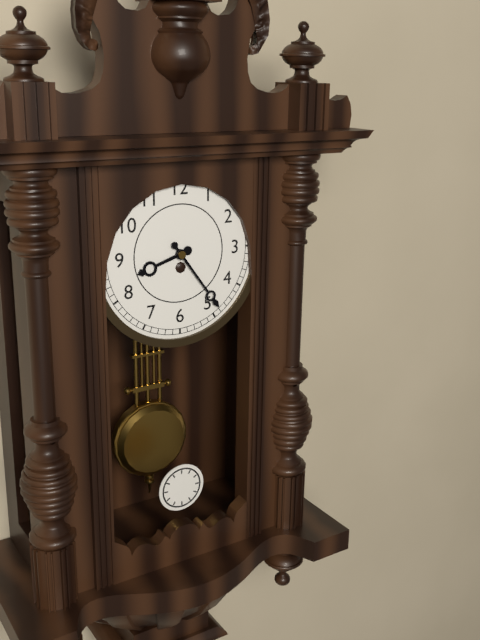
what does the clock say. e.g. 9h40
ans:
8h24
